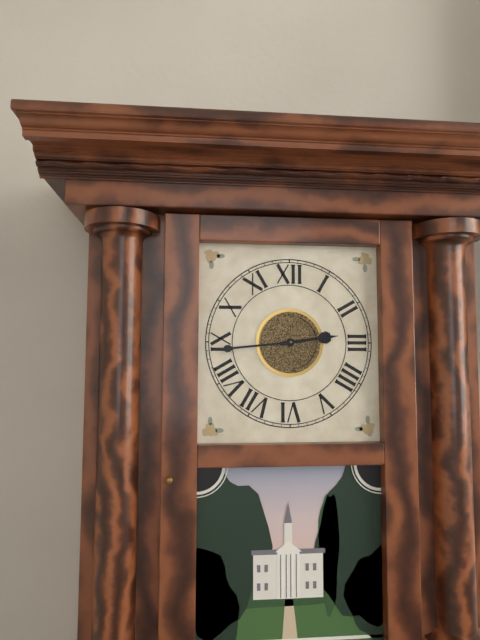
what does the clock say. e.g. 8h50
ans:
2h44
